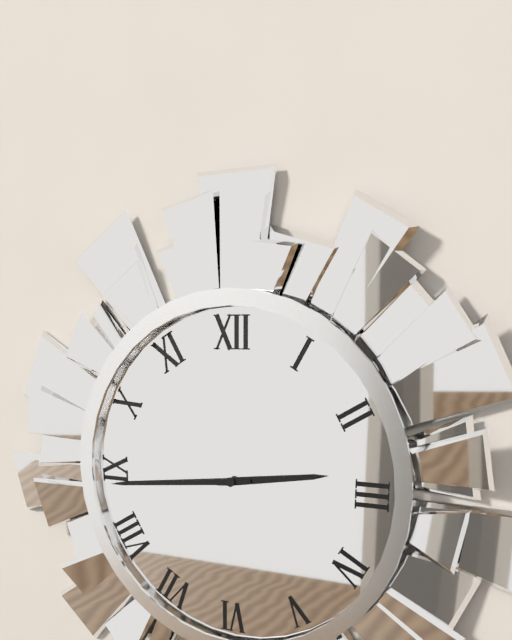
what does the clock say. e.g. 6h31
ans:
2h44
